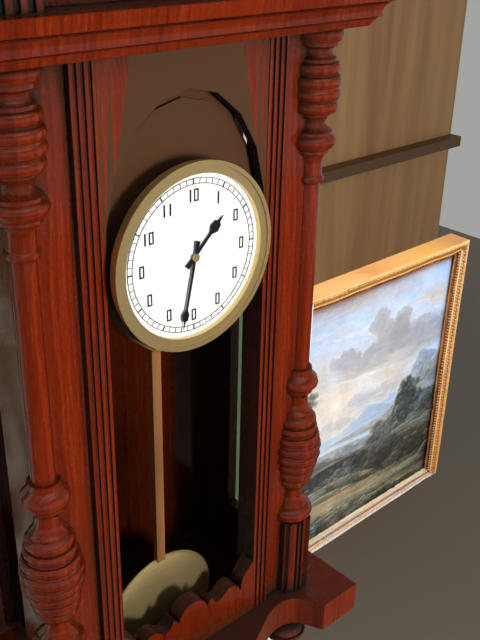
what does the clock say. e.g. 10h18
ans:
1h32
